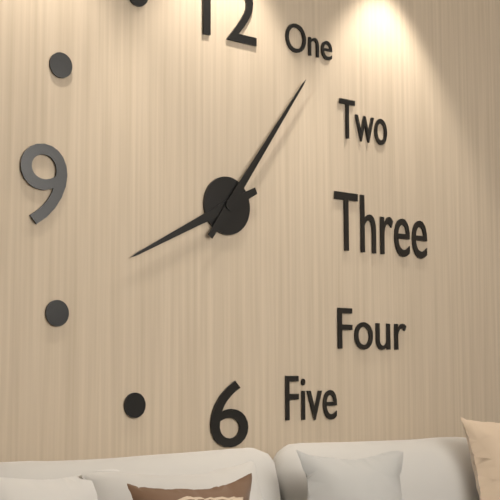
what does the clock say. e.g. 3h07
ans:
8h06
